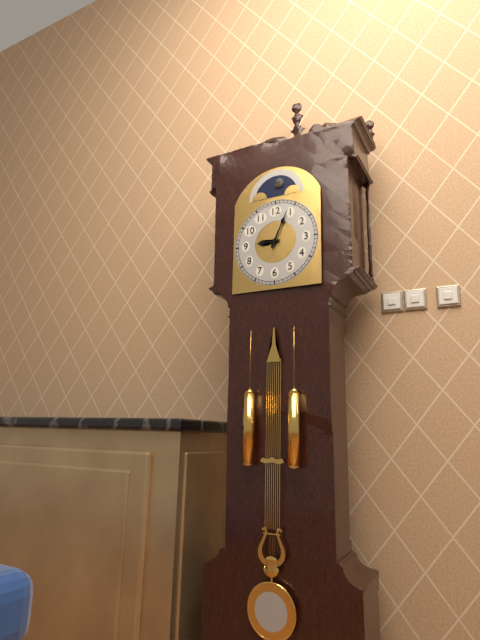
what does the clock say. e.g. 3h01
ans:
9h04
